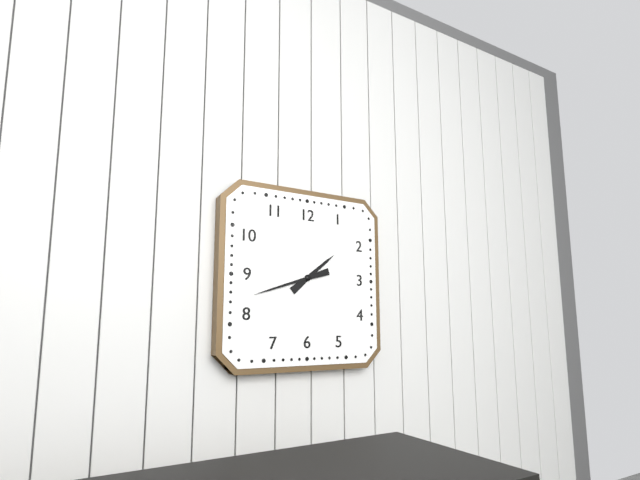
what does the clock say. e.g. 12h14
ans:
1h42
